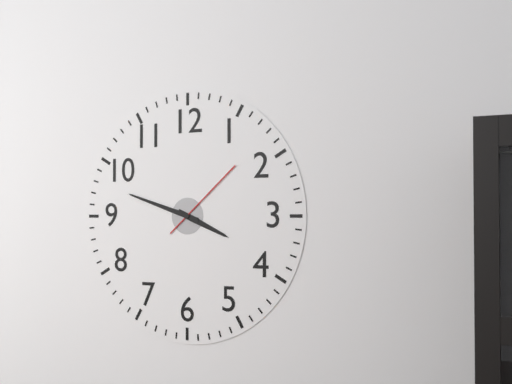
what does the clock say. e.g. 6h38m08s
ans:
3h48m08s
